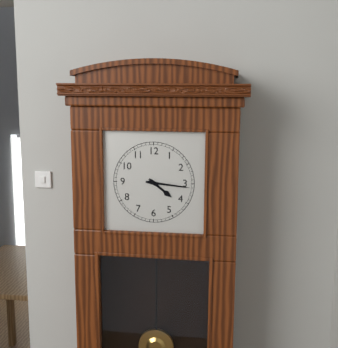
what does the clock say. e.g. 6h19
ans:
4h16
